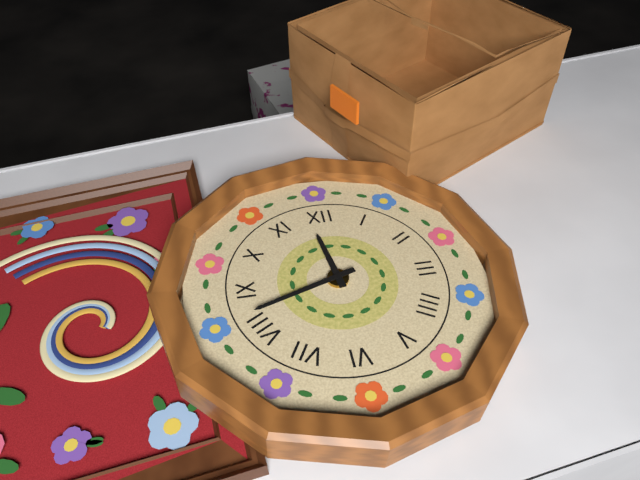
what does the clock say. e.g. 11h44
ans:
11h42
